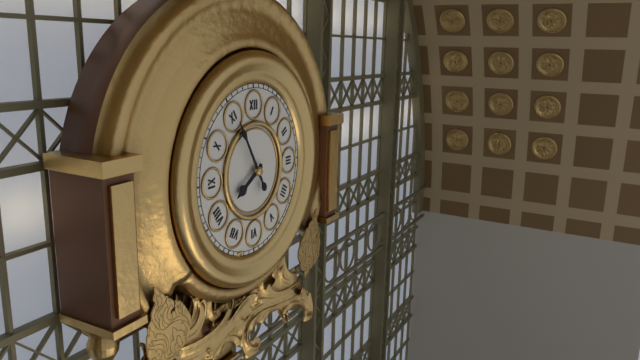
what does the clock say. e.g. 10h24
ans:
7h55
